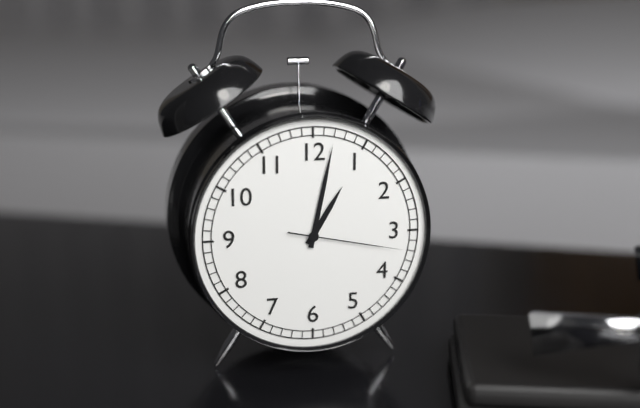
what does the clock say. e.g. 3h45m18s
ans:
1h02m17s
